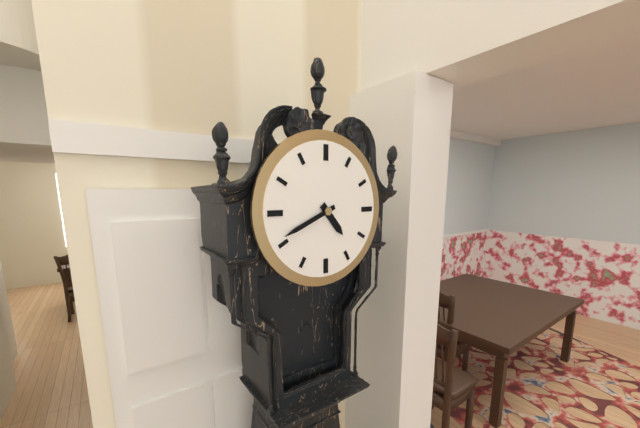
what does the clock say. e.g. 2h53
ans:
4h41
